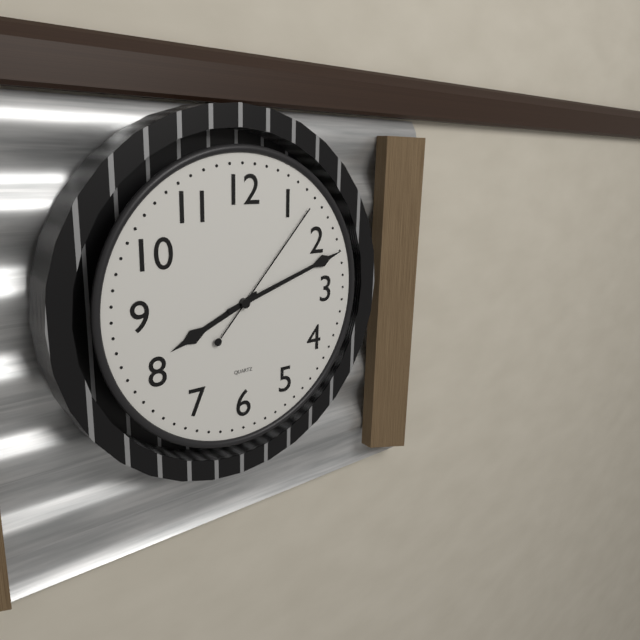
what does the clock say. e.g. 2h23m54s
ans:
8h12m07s
